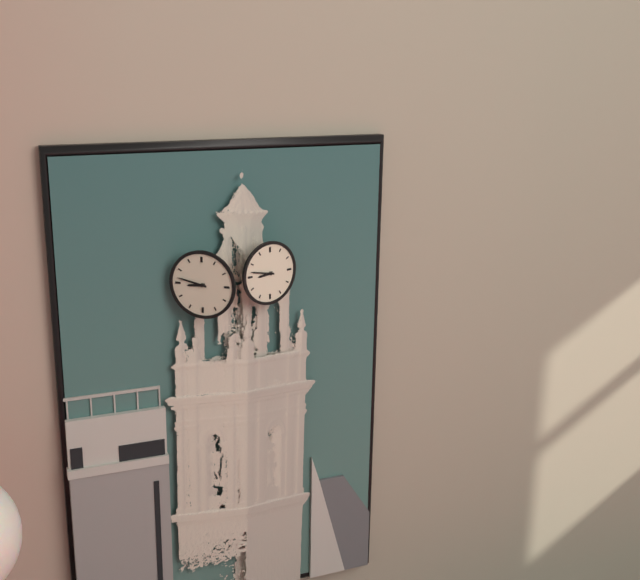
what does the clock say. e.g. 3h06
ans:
8h47
